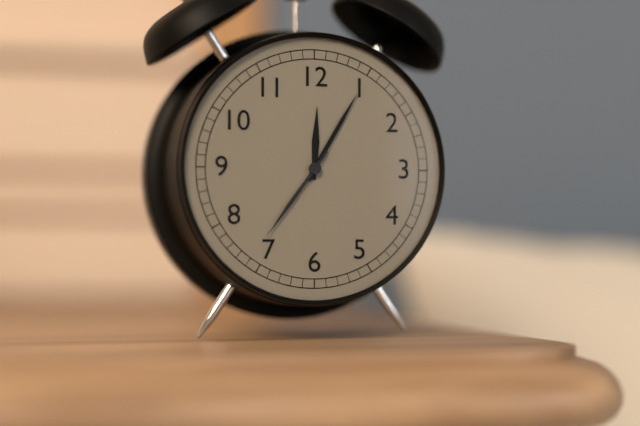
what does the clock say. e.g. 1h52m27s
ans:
12h05m36s
